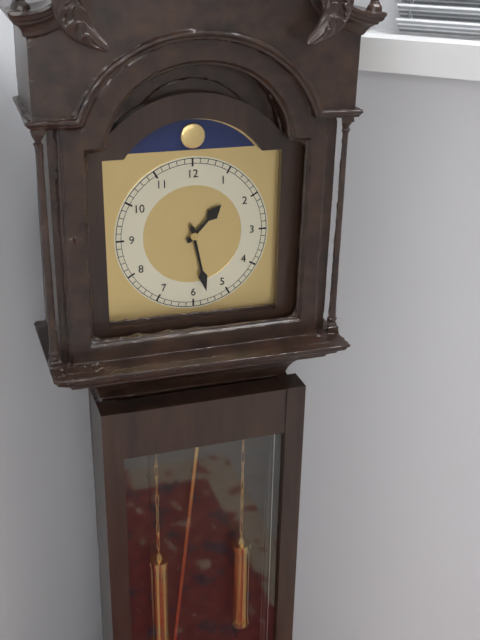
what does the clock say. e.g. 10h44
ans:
1h28
